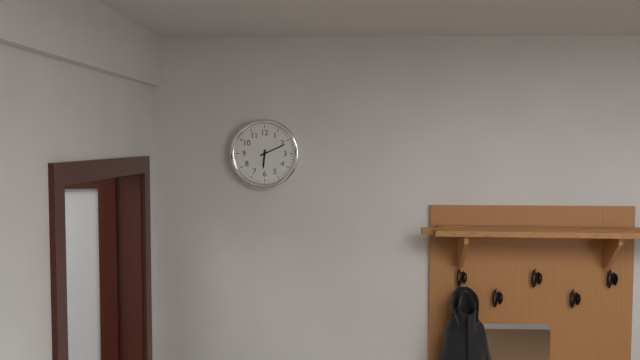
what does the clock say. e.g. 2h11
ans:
6h11
